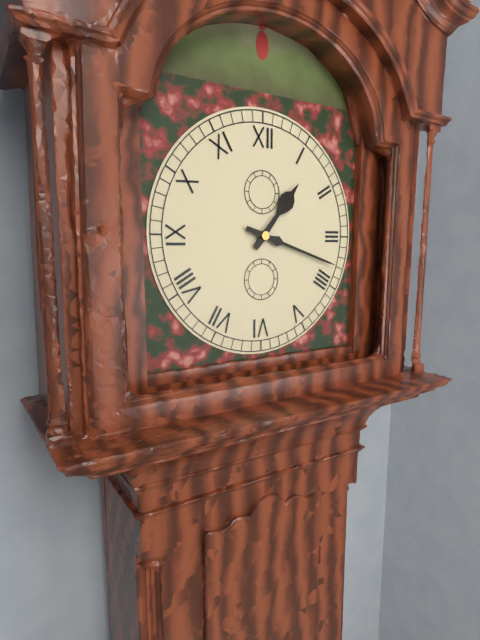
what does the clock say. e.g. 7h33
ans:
1h18
